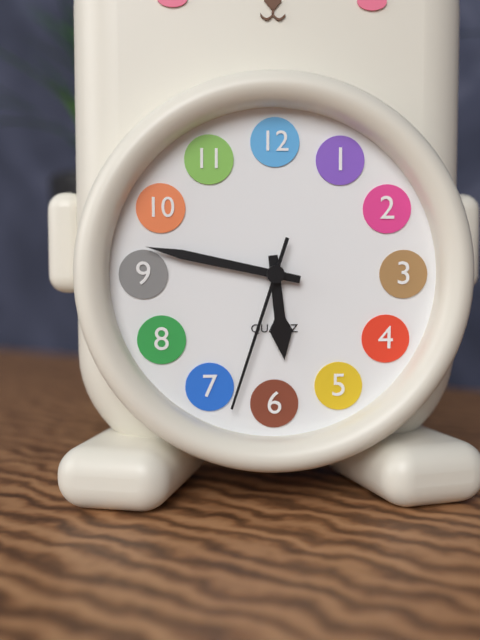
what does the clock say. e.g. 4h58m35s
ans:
5h47m33s
